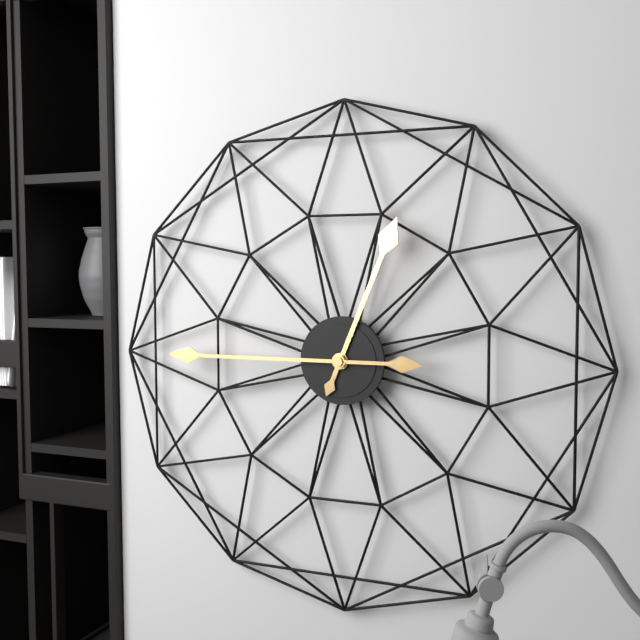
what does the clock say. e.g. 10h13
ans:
12h45
